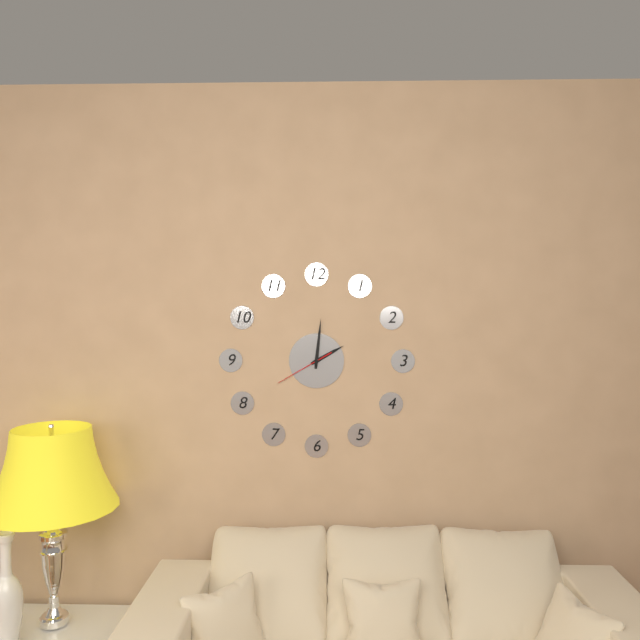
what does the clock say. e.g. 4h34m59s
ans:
2h01m40s
